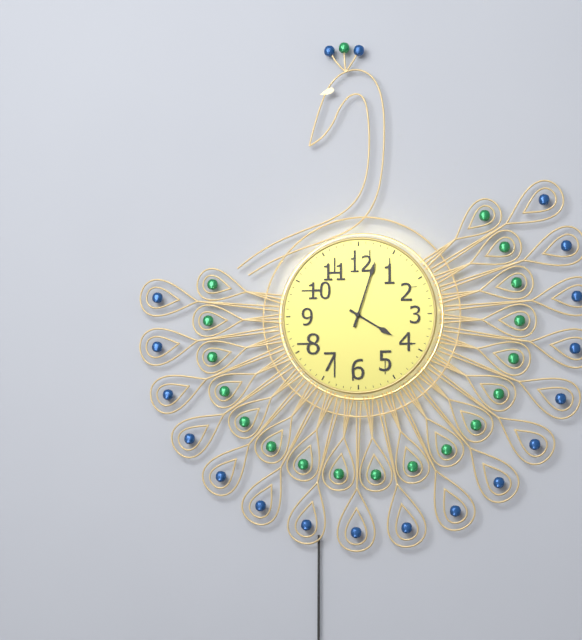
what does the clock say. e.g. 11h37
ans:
4h03
